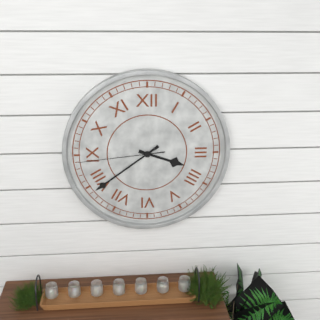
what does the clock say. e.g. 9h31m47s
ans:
3h39m44s
